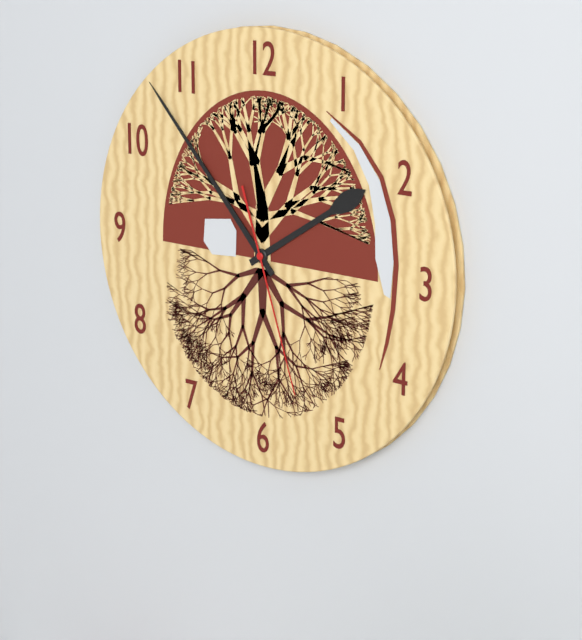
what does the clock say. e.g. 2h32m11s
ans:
1h53m27s
